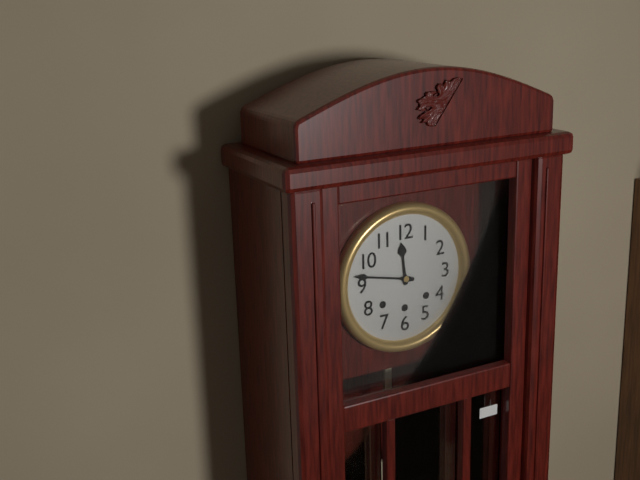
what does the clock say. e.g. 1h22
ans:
11h47
